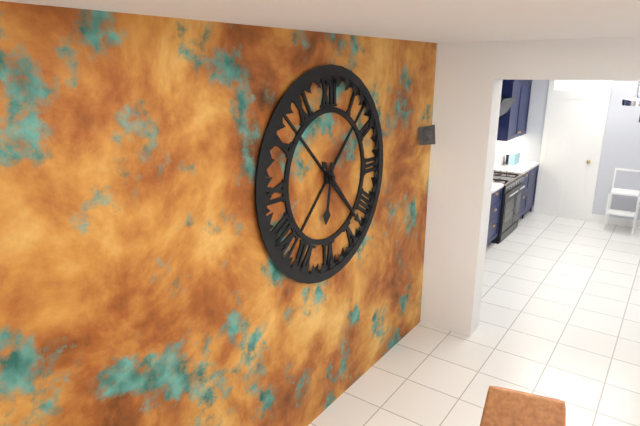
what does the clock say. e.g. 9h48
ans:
6h23
